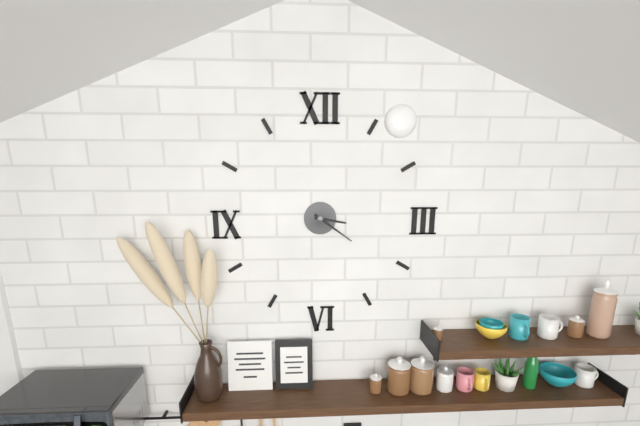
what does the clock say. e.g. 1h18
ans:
3h21
